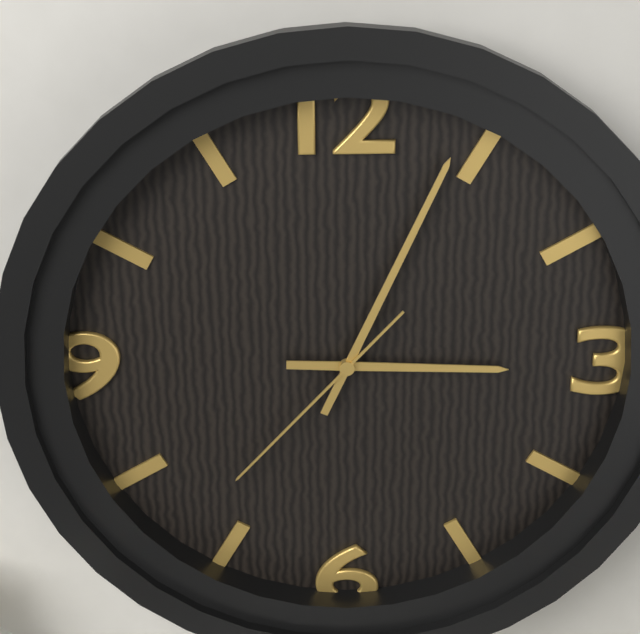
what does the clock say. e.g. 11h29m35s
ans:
3h04m37s
